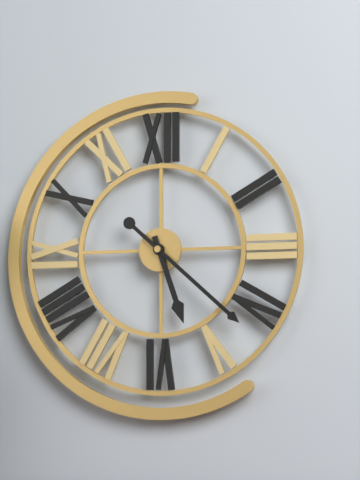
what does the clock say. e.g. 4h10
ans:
5h22
